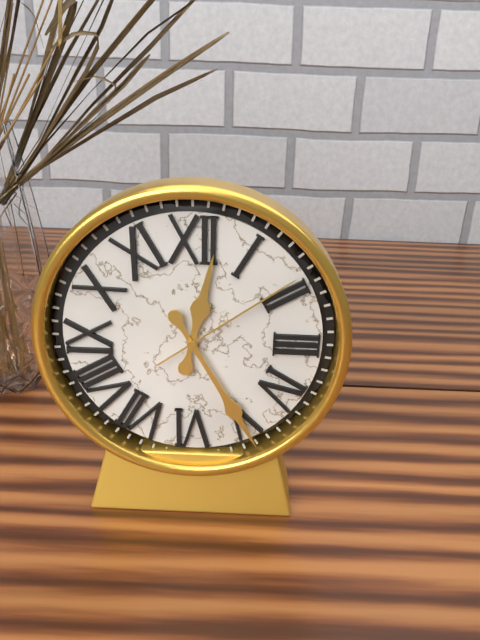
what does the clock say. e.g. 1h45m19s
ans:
12h25m09s
